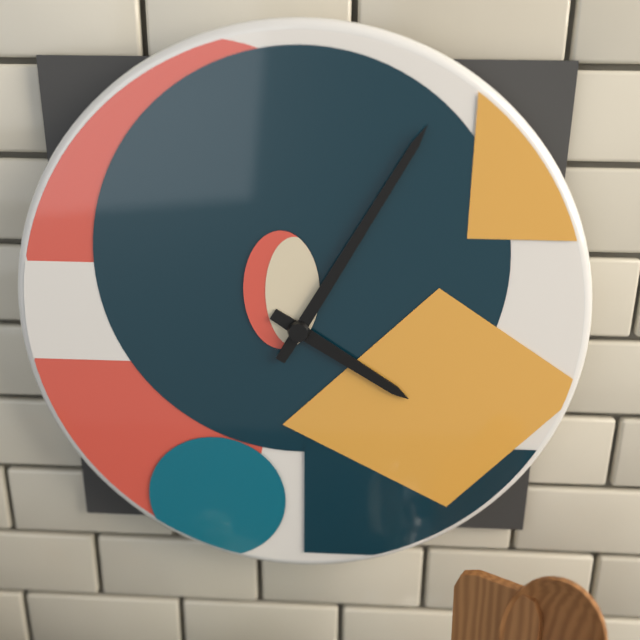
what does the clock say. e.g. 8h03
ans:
4h05
